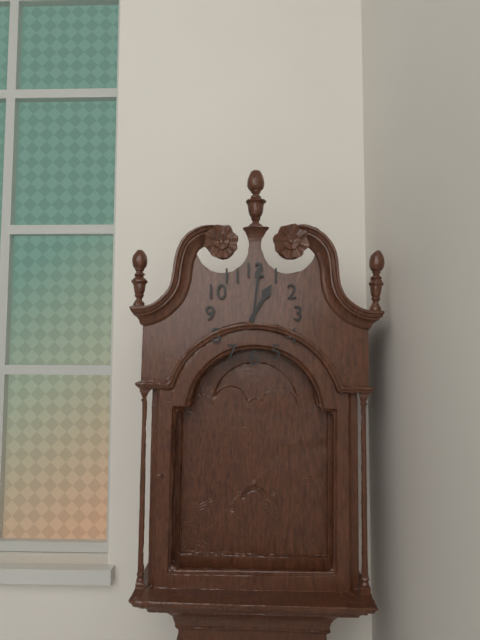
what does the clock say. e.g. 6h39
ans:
1h01
